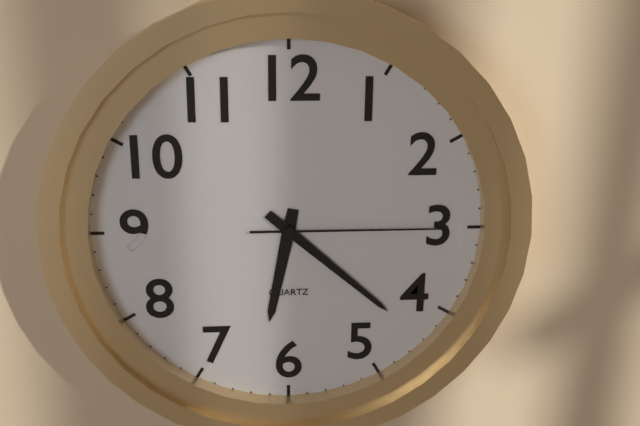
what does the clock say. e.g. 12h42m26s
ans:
6h22m15s
